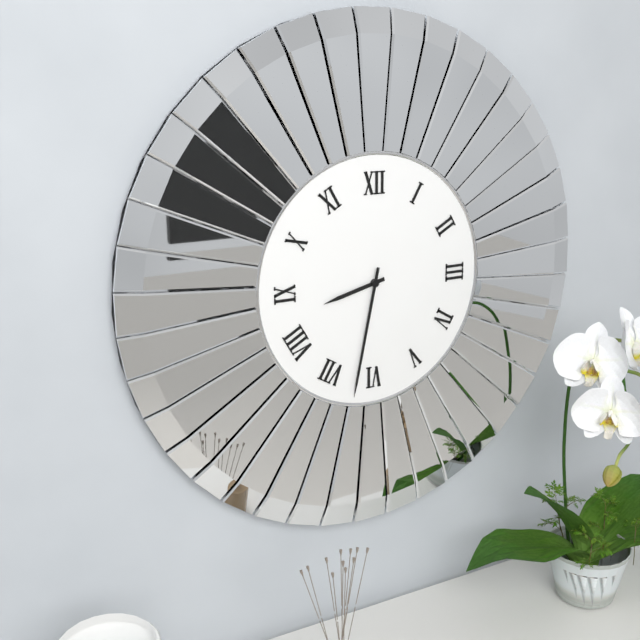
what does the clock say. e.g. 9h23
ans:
8h32
